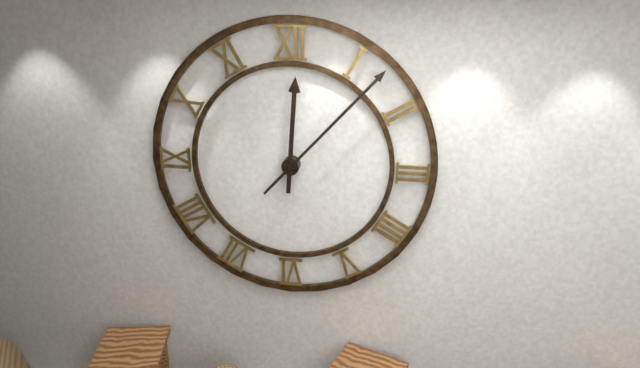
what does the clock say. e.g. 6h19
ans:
12h07
